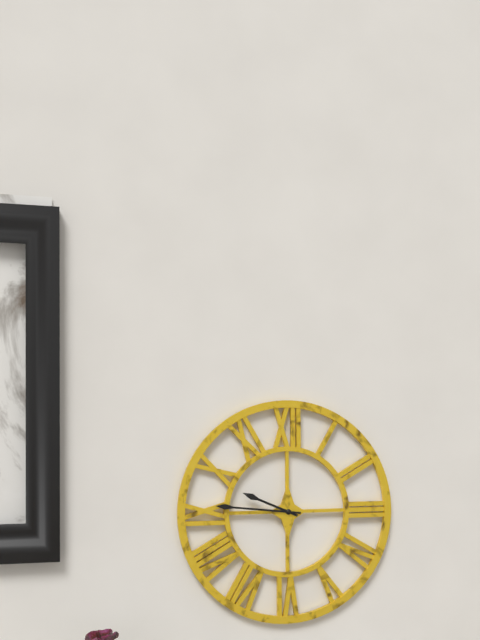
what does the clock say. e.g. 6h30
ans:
9h46
